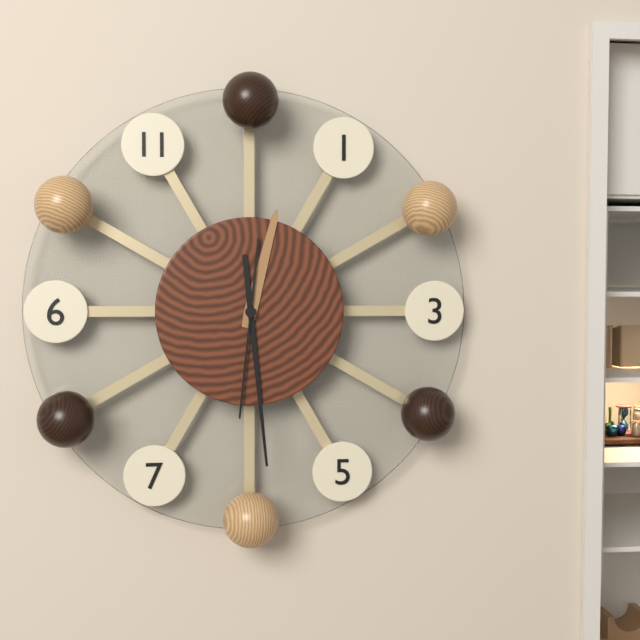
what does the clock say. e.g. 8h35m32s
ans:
12h29m31s
